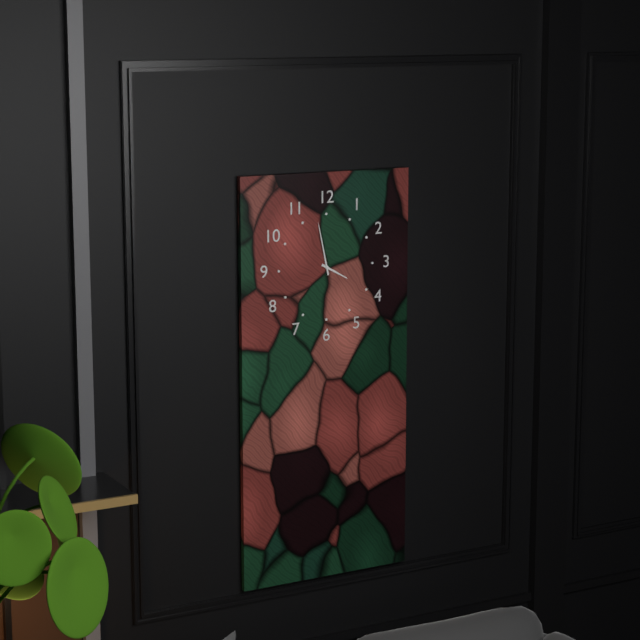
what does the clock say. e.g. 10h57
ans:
3h58
